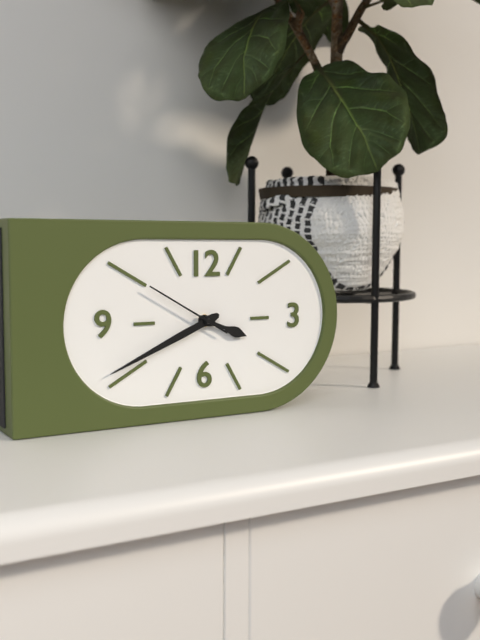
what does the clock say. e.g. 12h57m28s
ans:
3h41m50s
